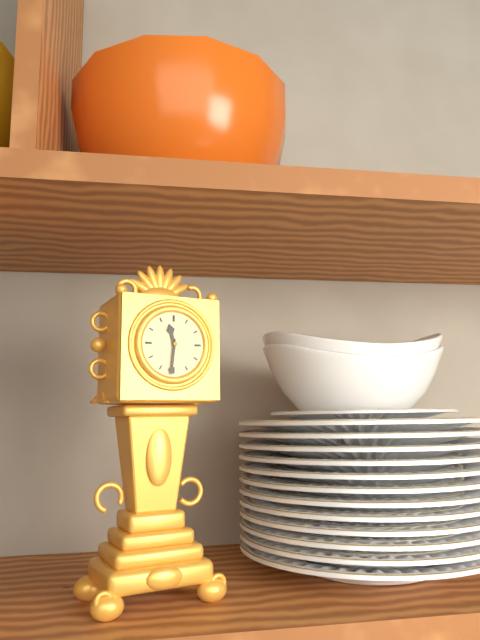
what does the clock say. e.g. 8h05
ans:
11h31
